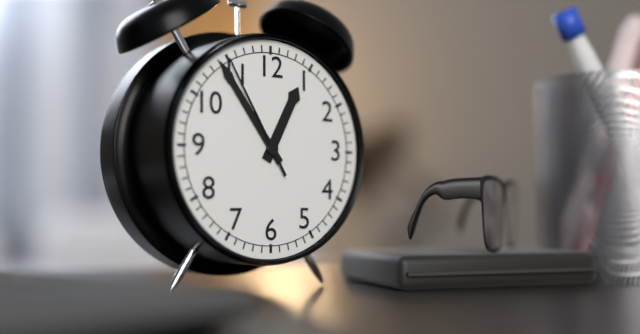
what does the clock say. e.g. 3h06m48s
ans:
12h54m55s
